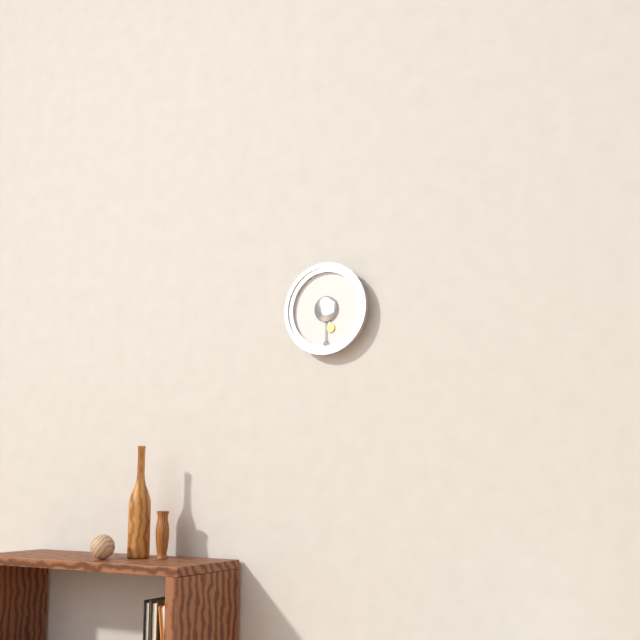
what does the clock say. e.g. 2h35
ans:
5h30
